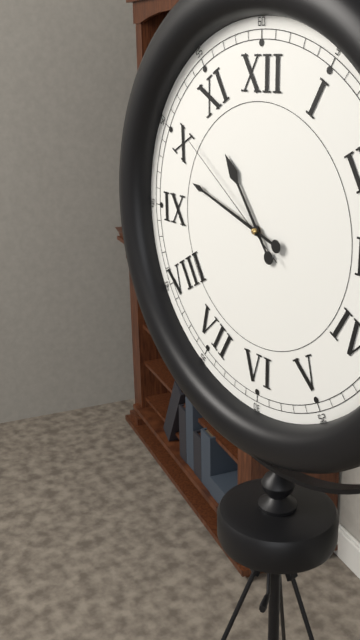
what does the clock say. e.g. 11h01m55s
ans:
10h48m51s
